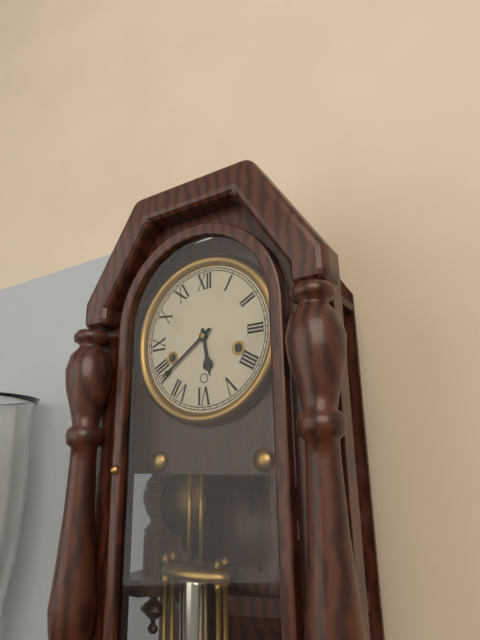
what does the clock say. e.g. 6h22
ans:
5h39
